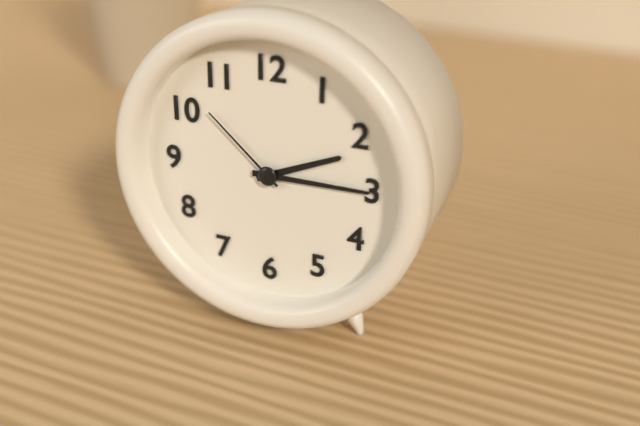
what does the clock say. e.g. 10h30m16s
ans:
2h15m52s
